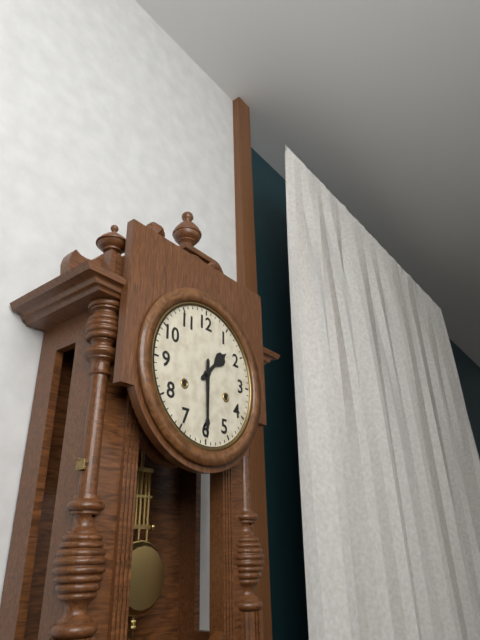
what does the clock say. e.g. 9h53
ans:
1h30
